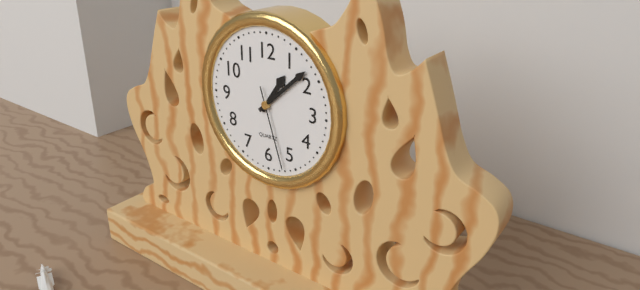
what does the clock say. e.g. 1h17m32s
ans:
1h08m27s
